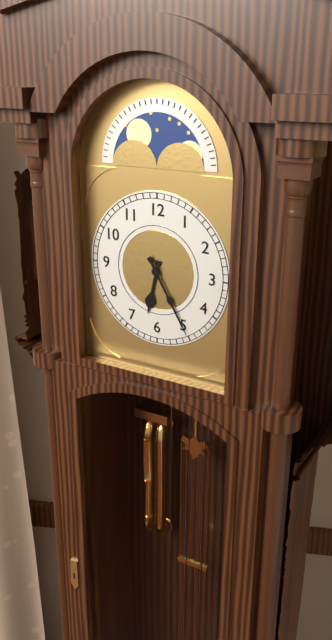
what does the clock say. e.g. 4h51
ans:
6h25
